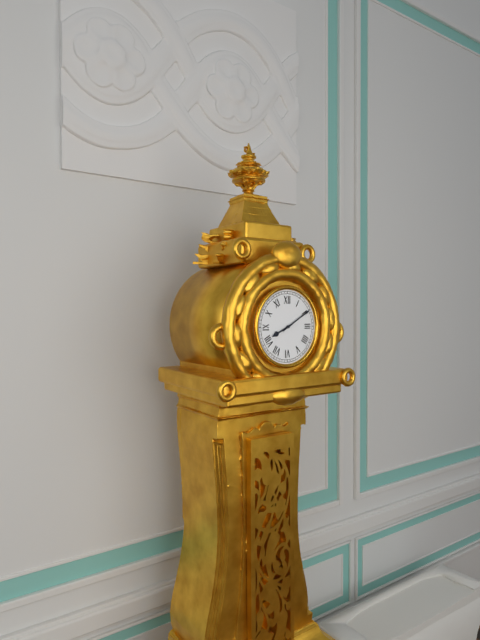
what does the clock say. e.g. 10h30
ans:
8h10
